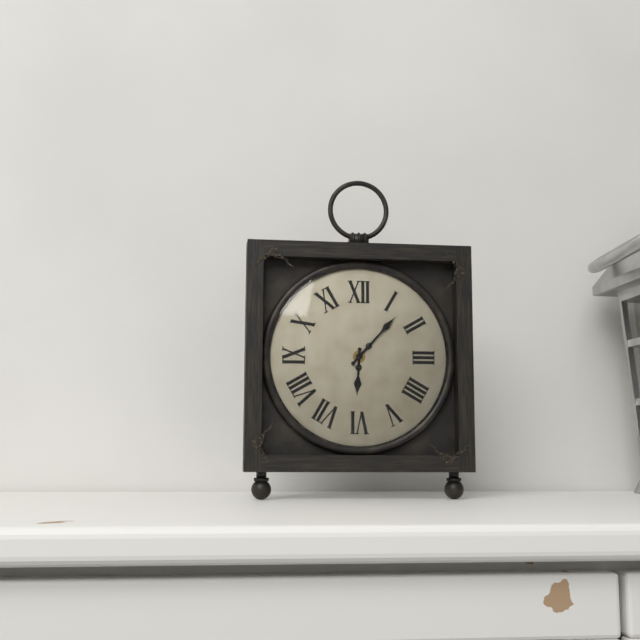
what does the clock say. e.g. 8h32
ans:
6h07
